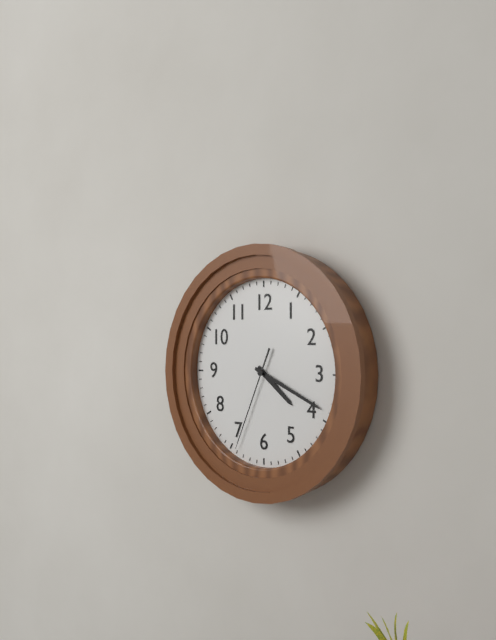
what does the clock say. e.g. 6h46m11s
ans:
4h19m34s
